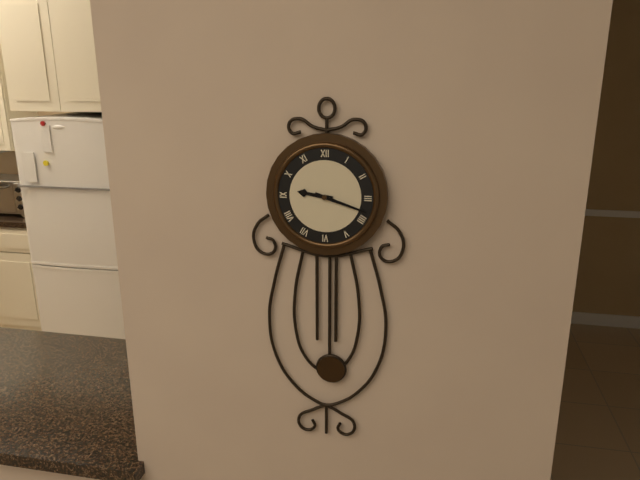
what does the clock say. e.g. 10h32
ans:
9h18
